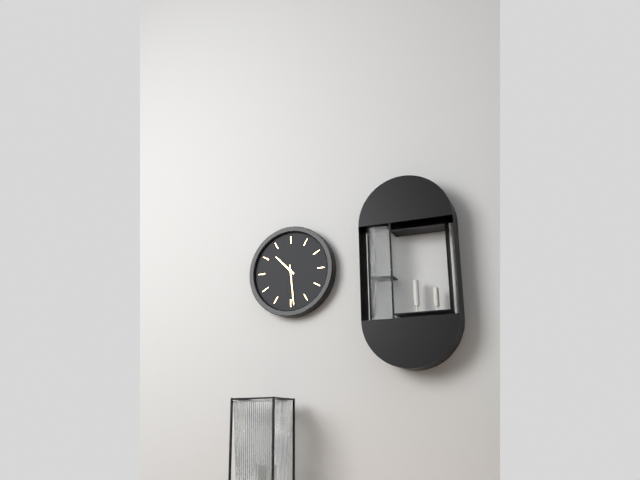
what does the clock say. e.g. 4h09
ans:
10h29
